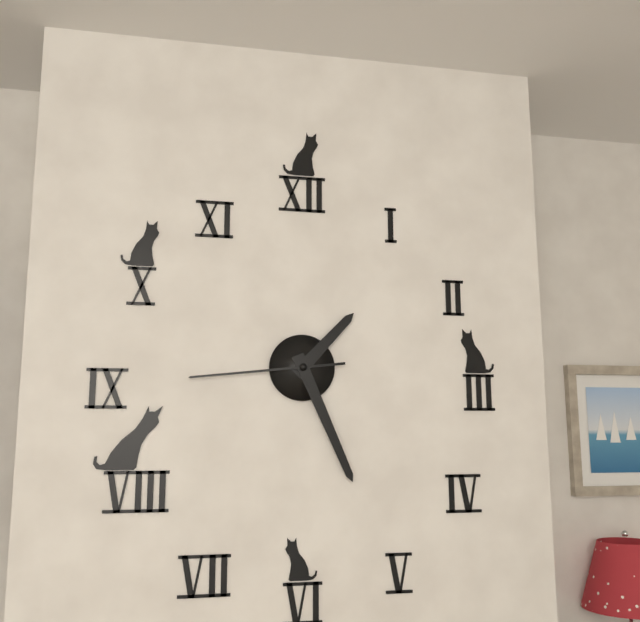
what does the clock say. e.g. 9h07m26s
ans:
1h26m44s
